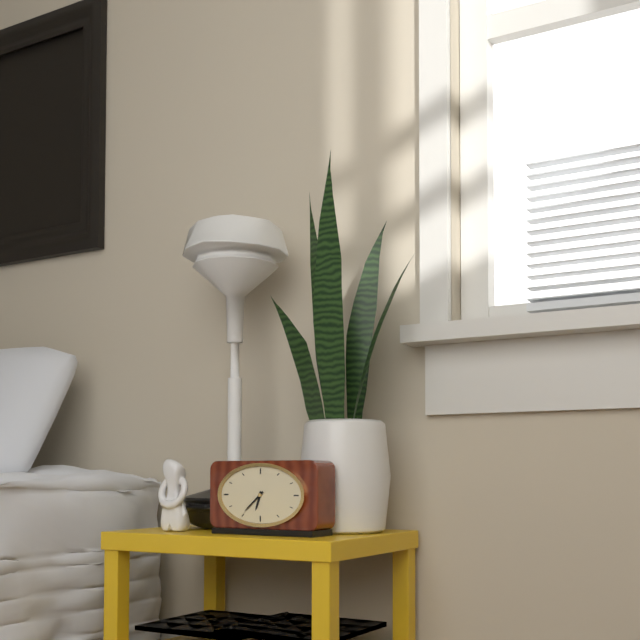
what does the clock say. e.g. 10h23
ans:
6h38
